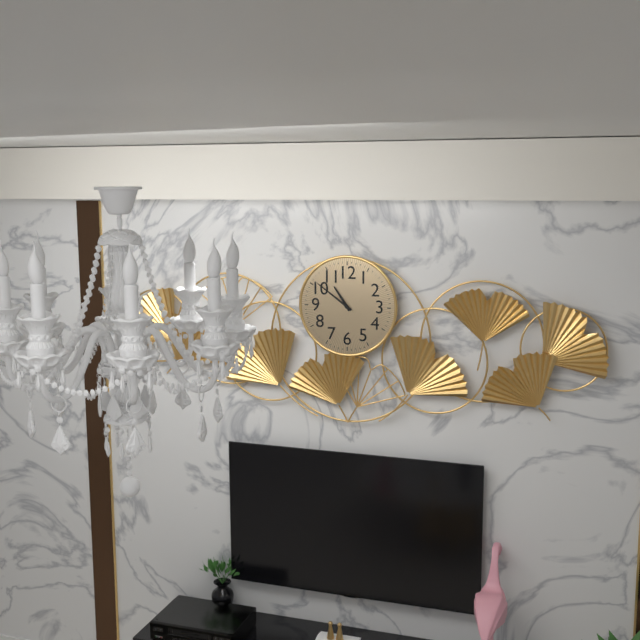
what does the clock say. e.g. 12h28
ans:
10h51
